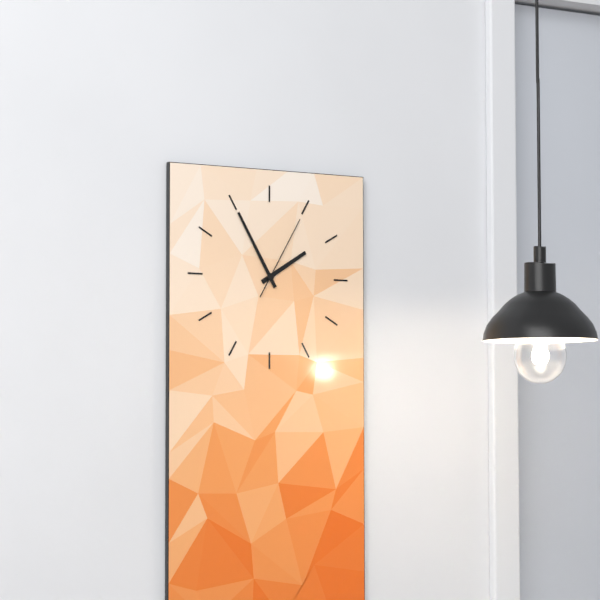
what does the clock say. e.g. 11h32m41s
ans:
1h55m05s
